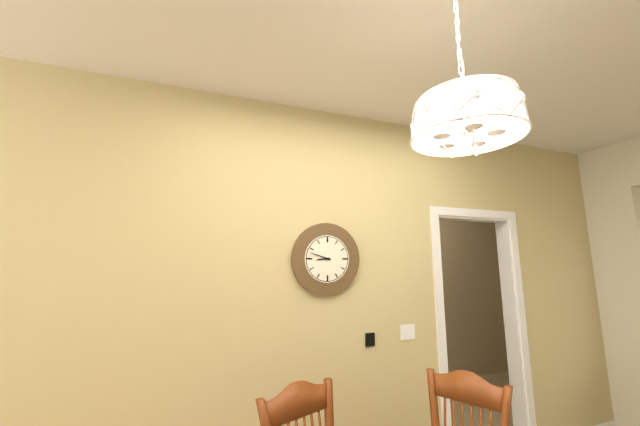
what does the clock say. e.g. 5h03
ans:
8h48
